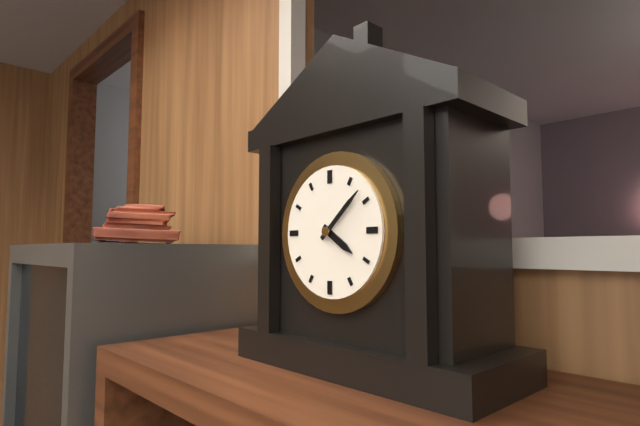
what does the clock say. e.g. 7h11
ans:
4h08
